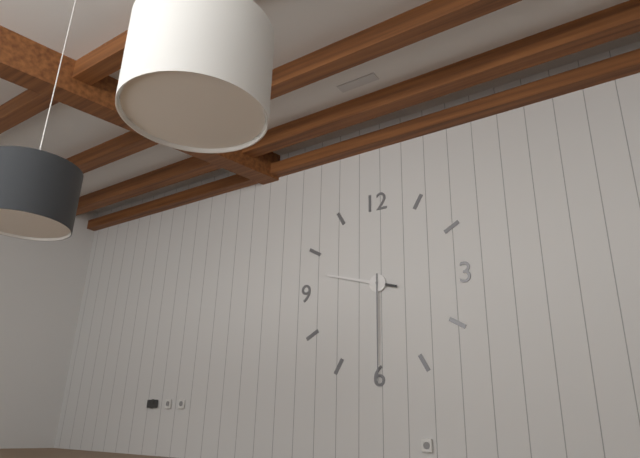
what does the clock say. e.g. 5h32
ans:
9h30
